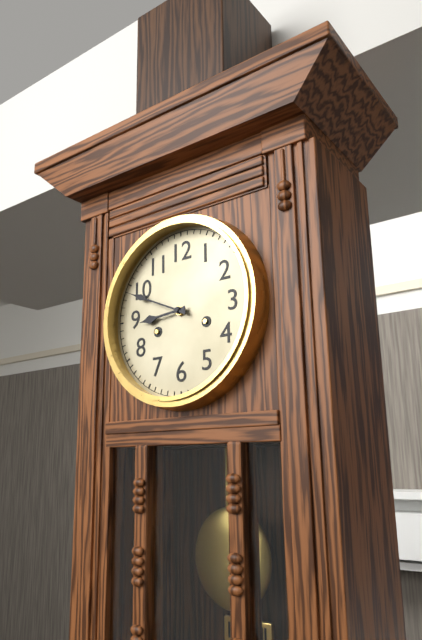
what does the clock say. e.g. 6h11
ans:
8h49
